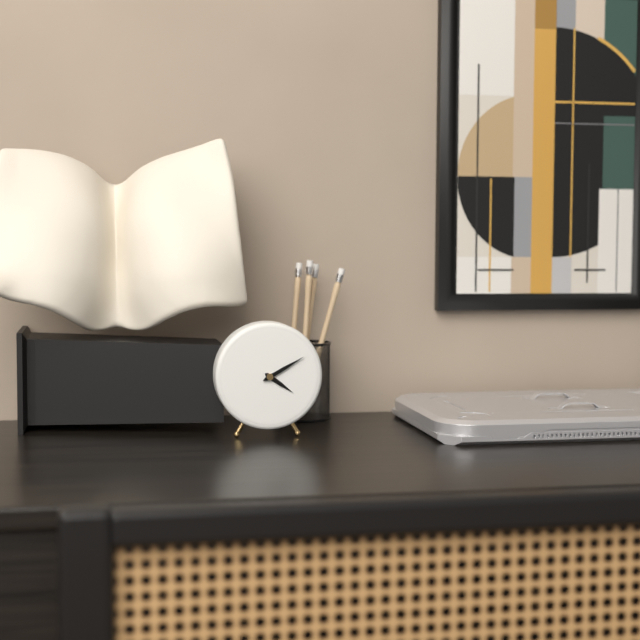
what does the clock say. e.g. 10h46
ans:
4h10
